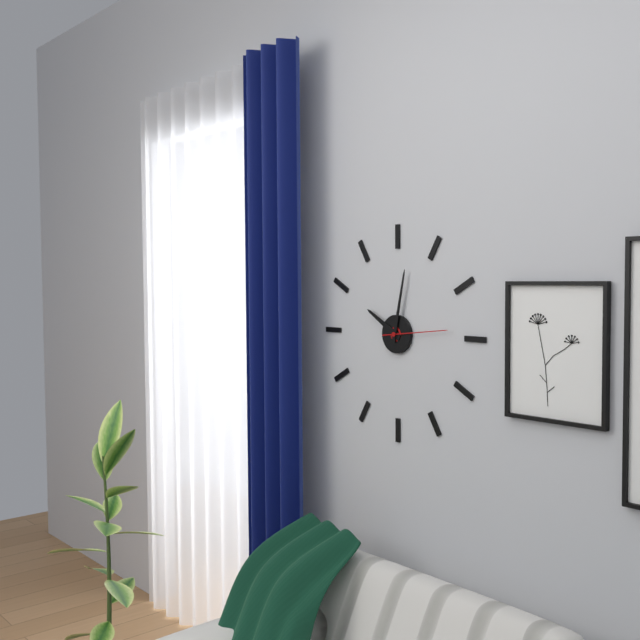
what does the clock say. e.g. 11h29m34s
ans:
10h02m14s
